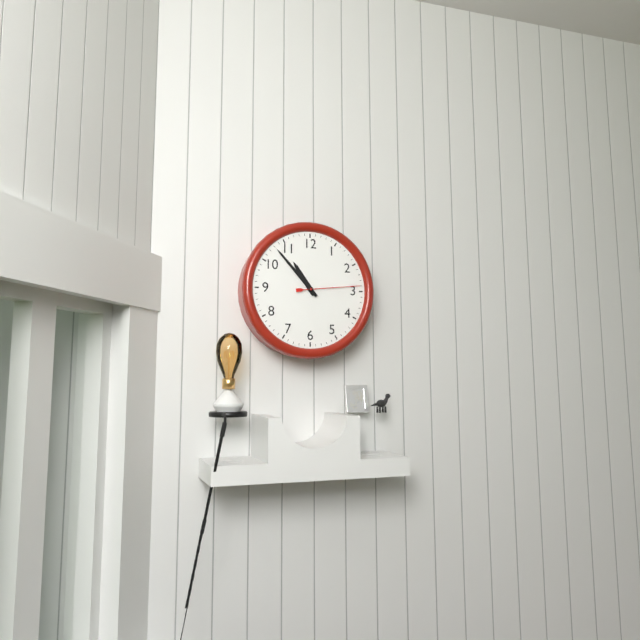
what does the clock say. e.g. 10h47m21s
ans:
10h53m14s
